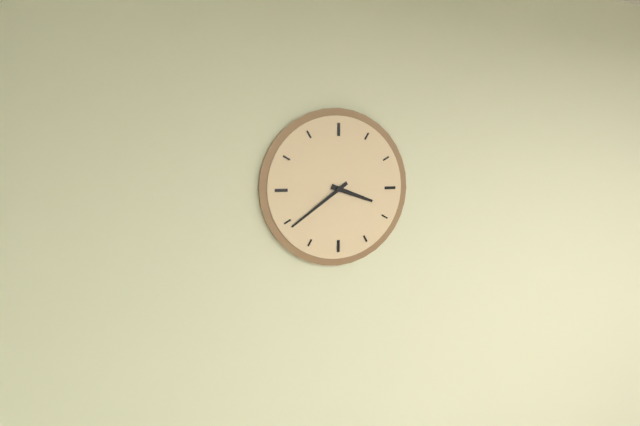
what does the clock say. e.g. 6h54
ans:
3h39
